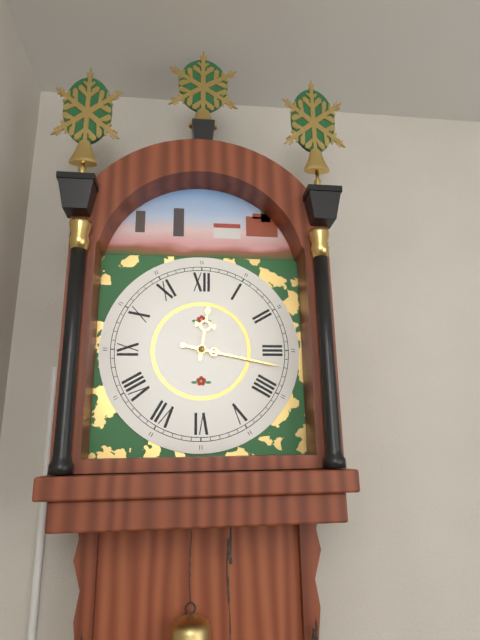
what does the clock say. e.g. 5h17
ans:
12h17
